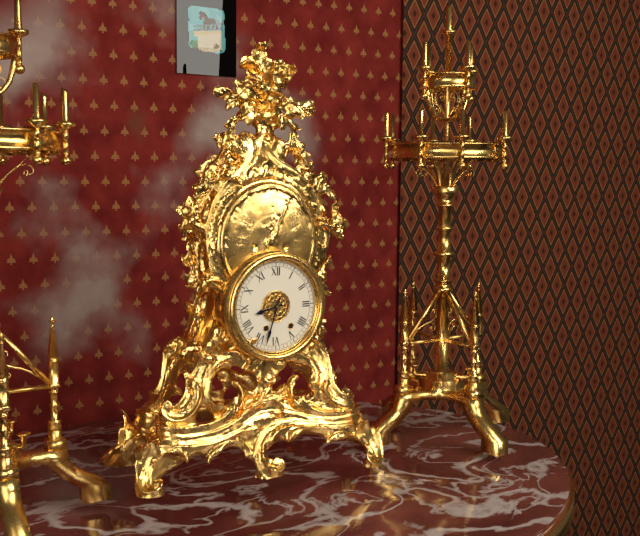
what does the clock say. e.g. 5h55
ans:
8h33
